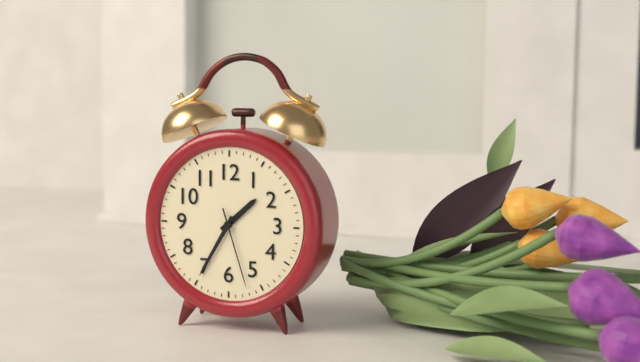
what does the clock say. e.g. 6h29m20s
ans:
1h35m27s
